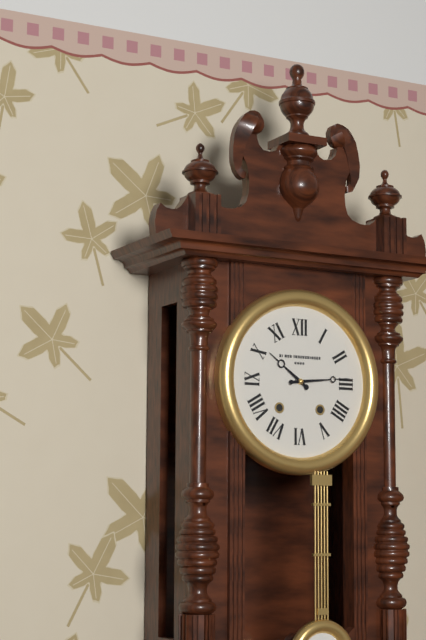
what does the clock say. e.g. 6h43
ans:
10h14
